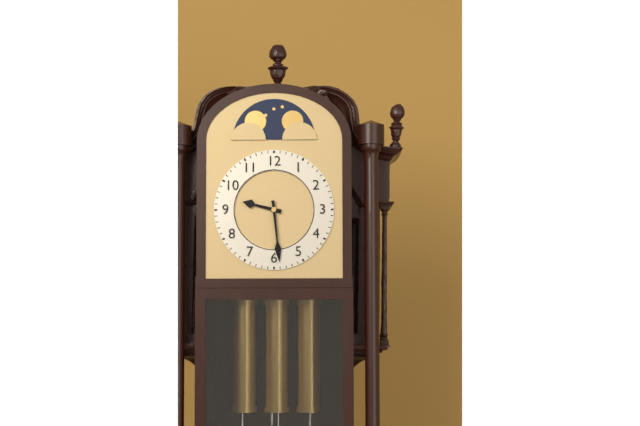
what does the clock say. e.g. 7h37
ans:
9h29
